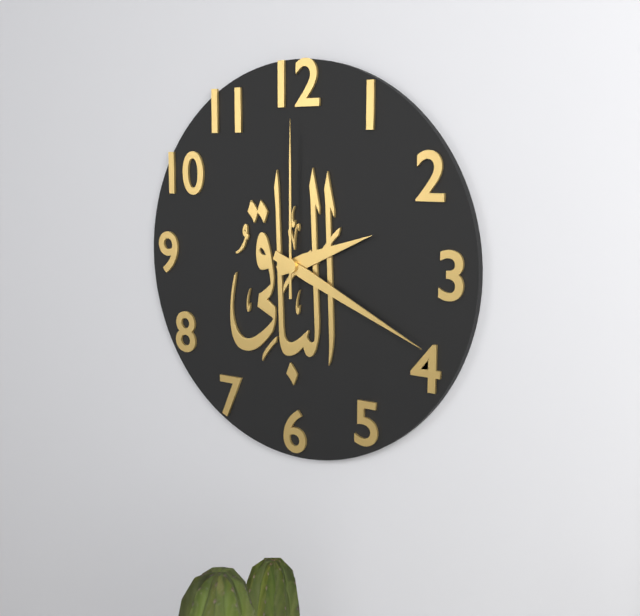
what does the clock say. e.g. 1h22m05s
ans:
2h19m00s
